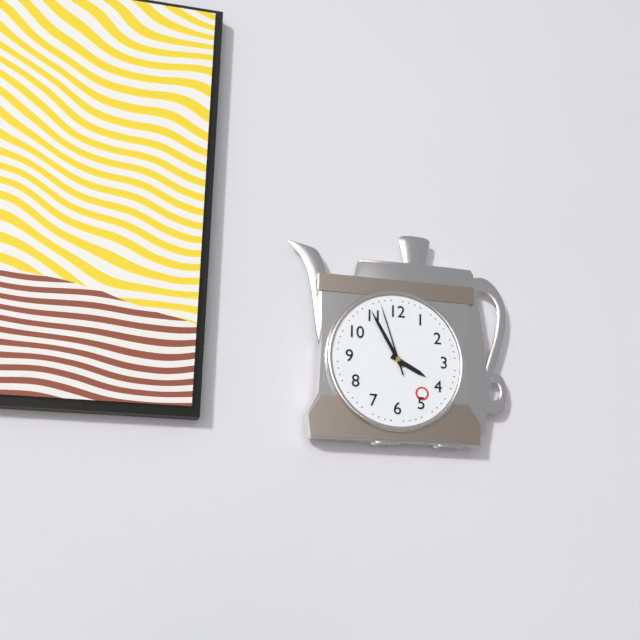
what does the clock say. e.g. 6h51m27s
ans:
3h55m57s
